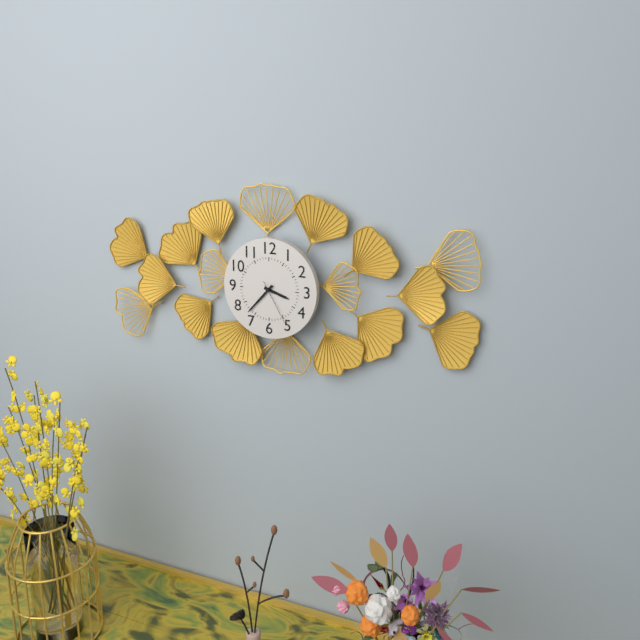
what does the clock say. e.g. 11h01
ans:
3h37
